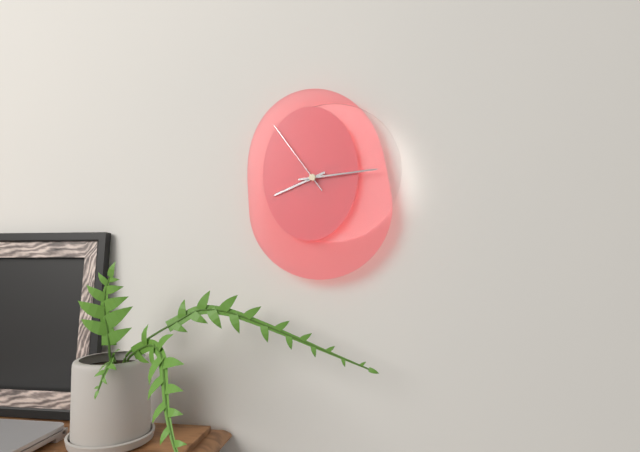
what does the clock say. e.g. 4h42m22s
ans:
8h14m54s
